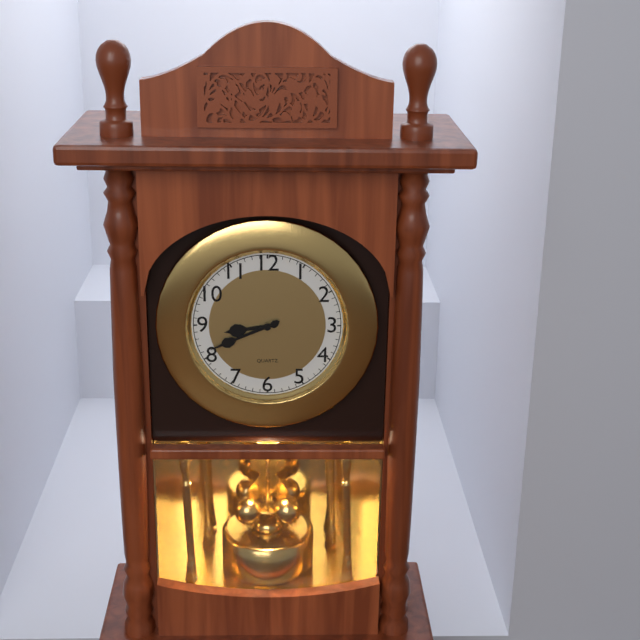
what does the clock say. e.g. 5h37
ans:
8h41
